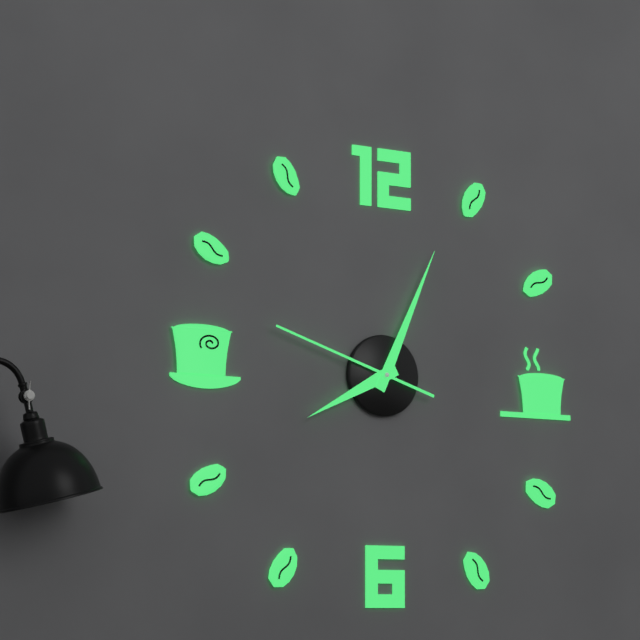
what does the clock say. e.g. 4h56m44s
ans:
8h04m48s
